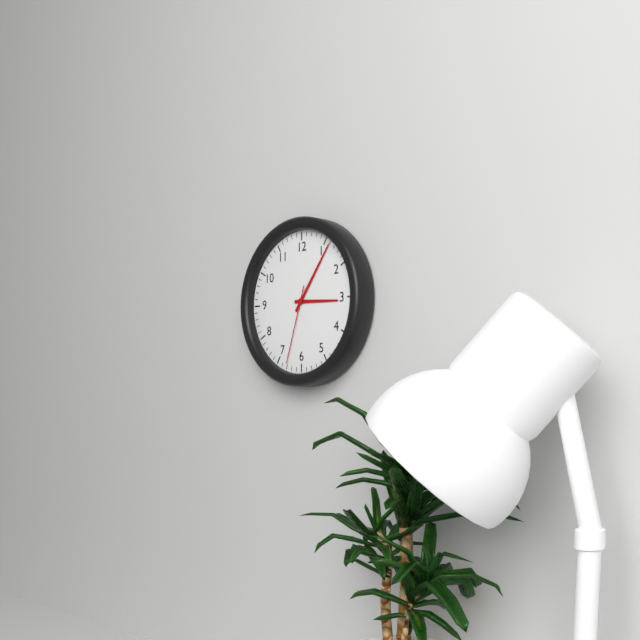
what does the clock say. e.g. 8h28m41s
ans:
3h06m33s
